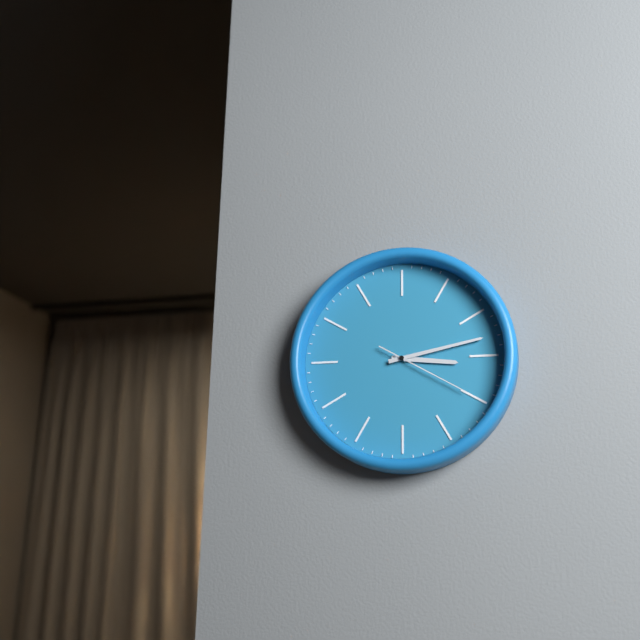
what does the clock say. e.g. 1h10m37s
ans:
3h13m20s
